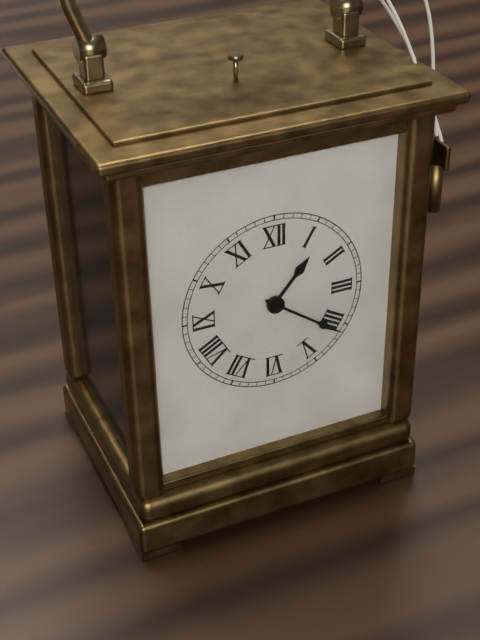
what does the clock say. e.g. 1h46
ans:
1h21
